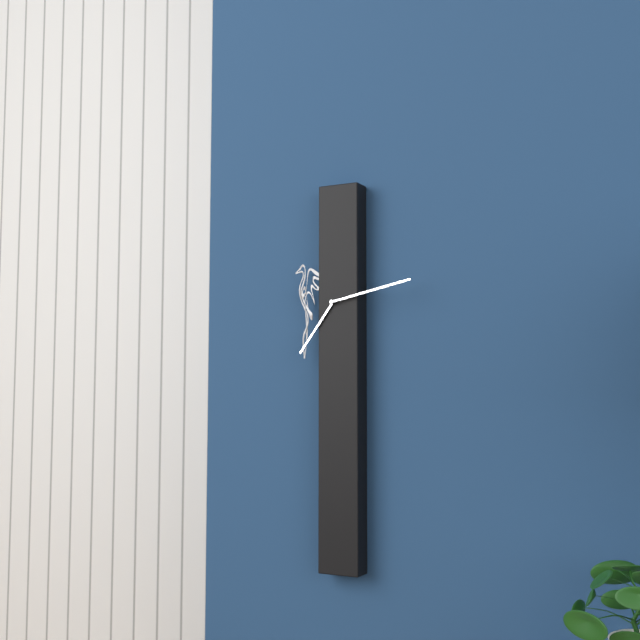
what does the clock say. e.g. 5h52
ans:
7h13
